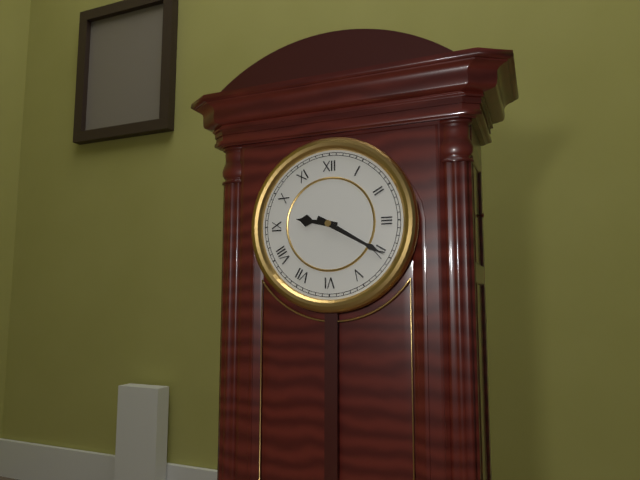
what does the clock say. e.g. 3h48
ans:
9h20
